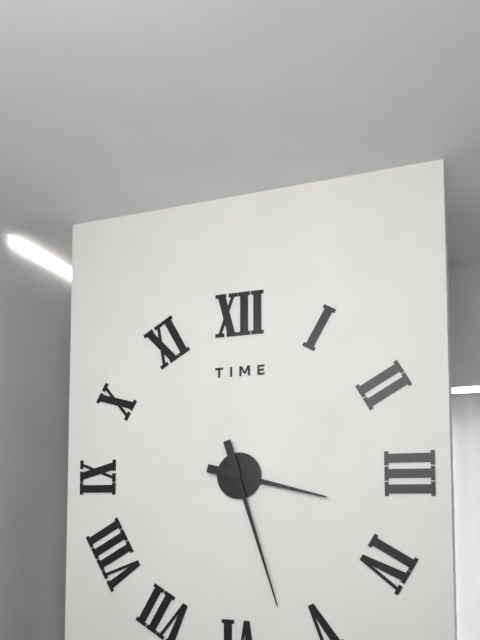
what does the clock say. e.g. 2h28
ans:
3h27
